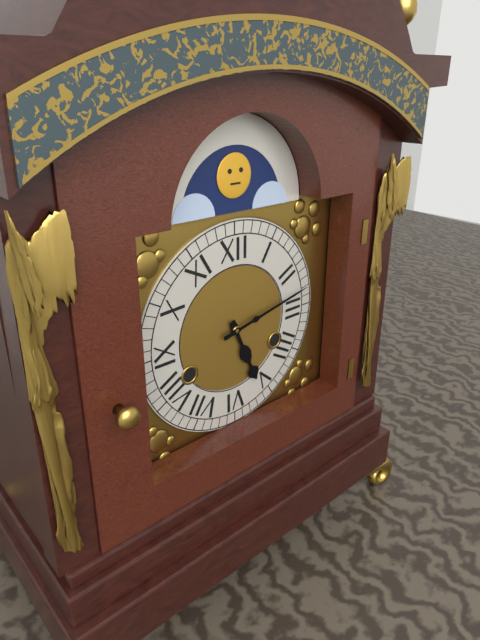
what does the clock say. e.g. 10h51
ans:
5h13
